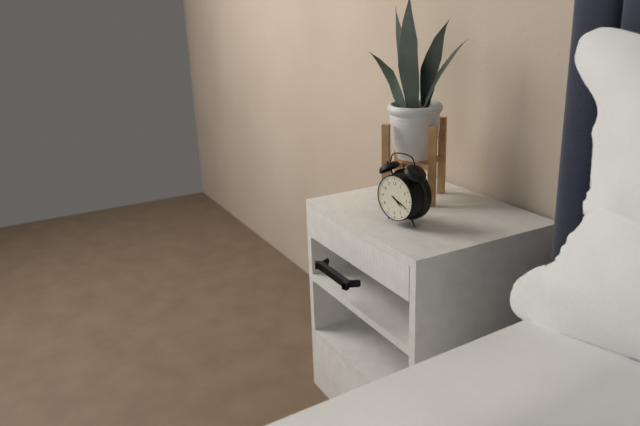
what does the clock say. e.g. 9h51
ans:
4h19
